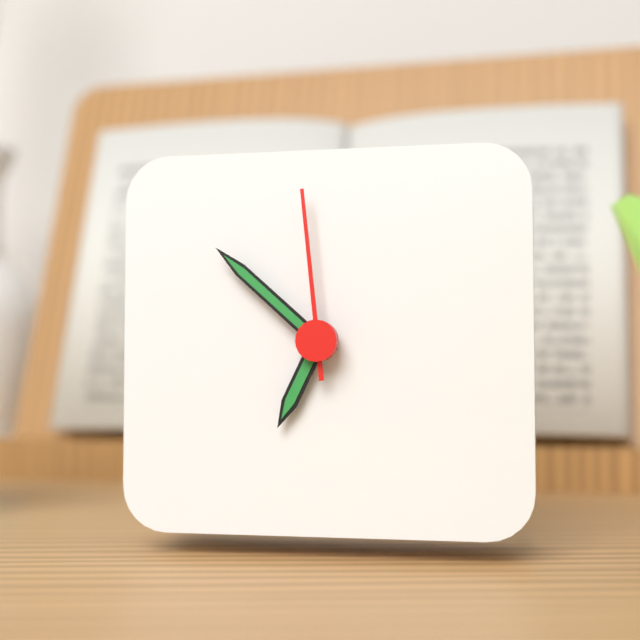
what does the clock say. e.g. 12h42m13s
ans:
6h52m59s
